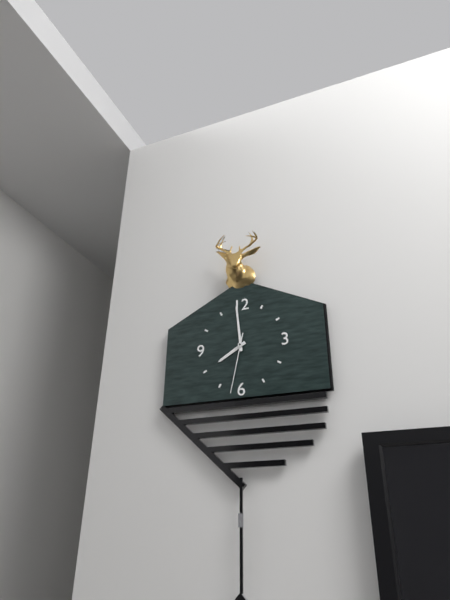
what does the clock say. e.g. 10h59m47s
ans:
7h59m32s
